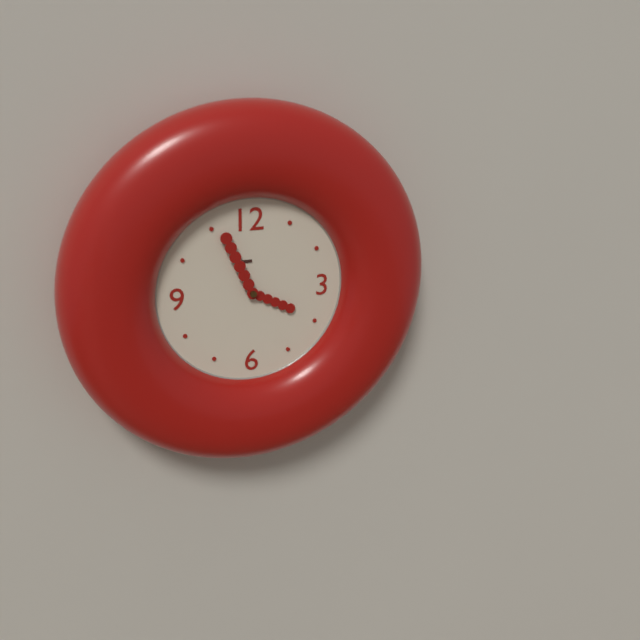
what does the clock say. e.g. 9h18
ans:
3h56
